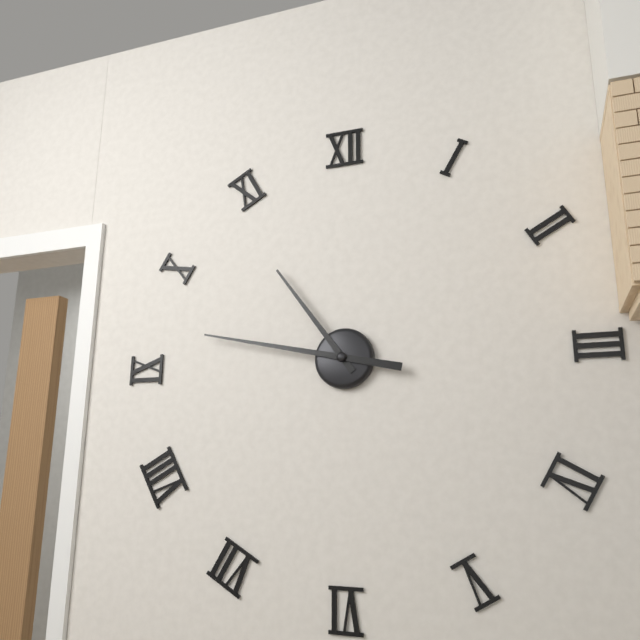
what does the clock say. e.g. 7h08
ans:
10h47
